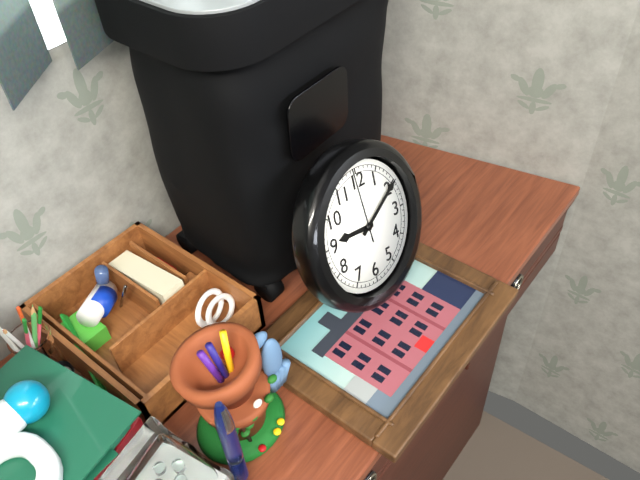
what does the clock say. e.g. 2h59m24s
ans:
9h10m59s
